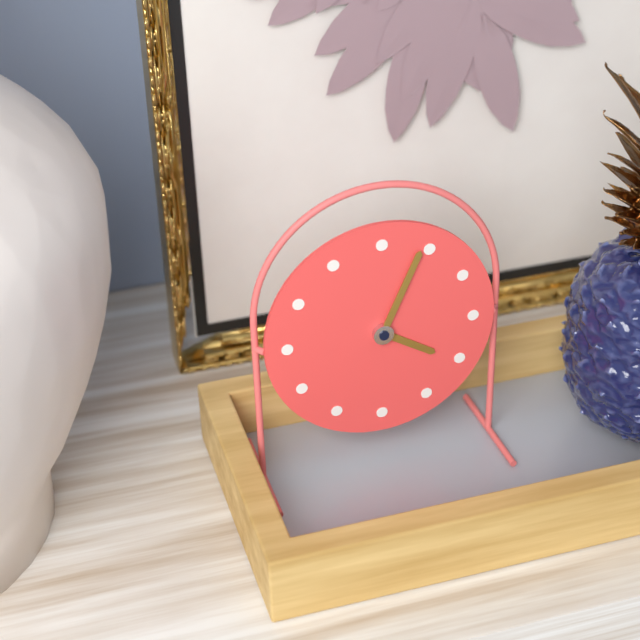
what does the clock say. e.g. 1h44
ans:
4h04
